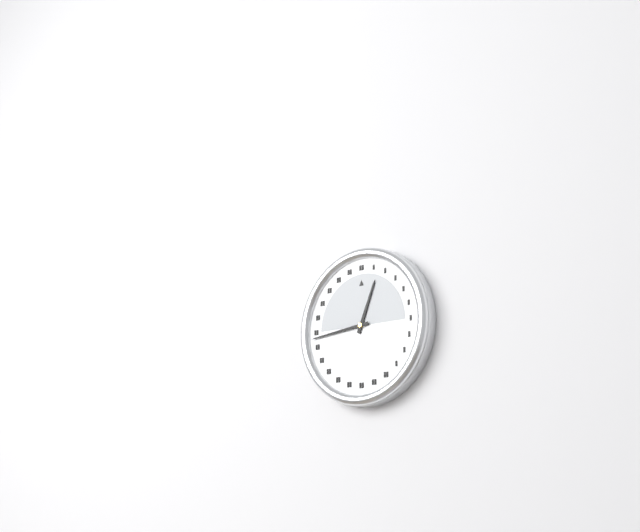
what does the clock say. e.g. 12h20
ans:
12h44
